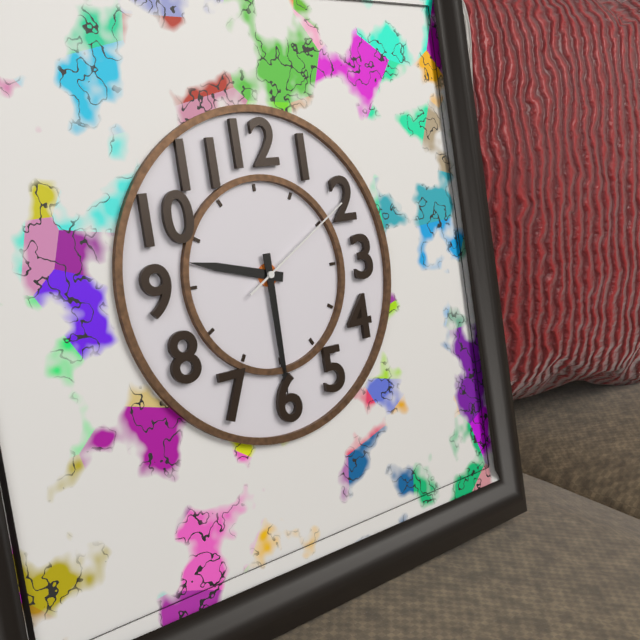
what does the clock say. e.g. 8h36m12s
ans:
9h30m10s
